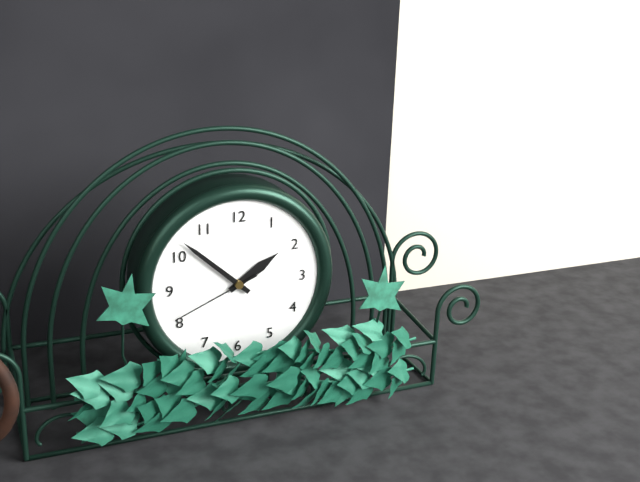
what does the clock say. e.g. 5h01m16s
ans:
1h52m41s
